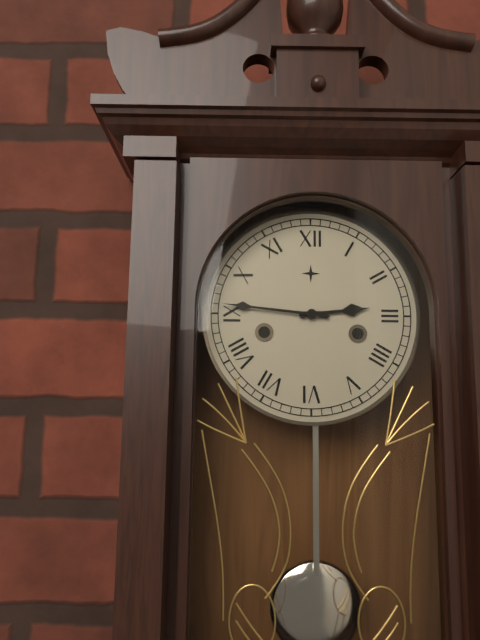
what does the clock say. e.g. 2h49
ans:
2h46
